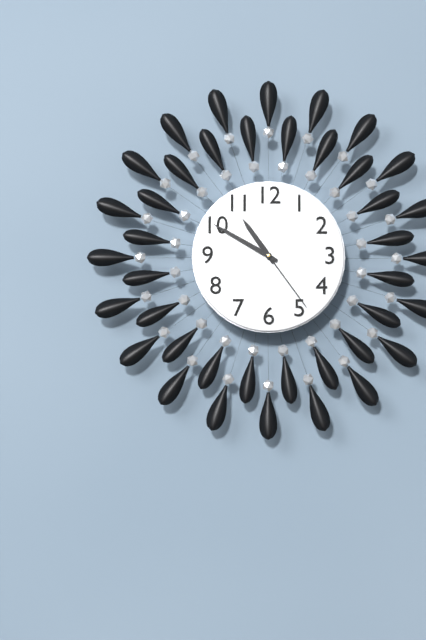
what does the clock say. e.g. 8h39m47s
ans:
10h50m24s
